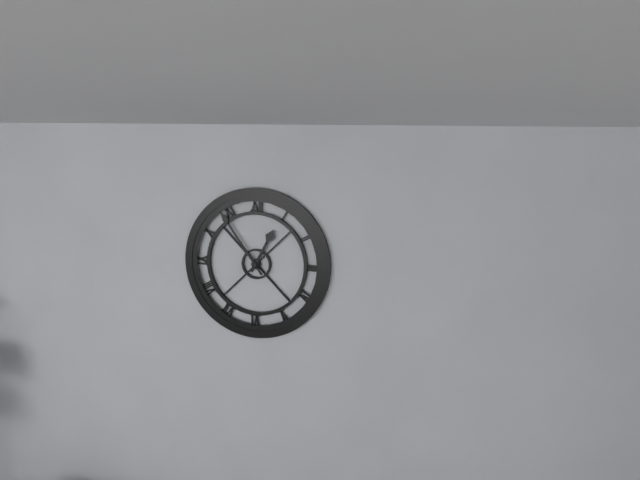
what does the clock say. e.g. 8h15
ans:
12h54
